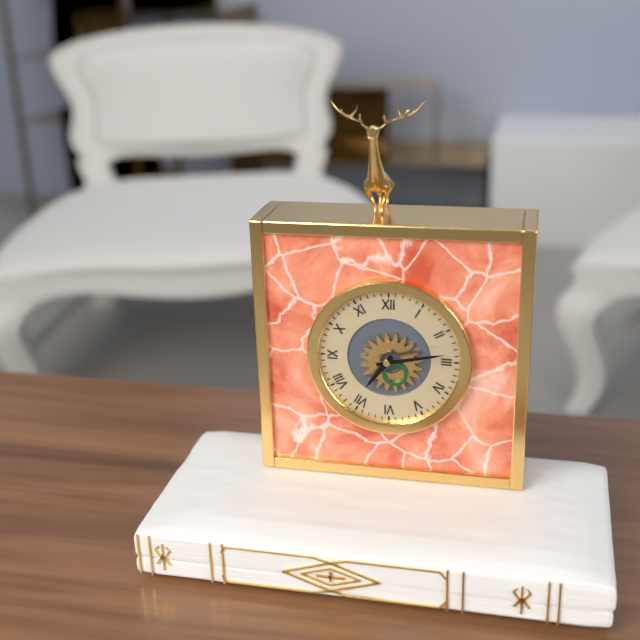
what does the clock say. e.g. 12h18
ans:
7h13
